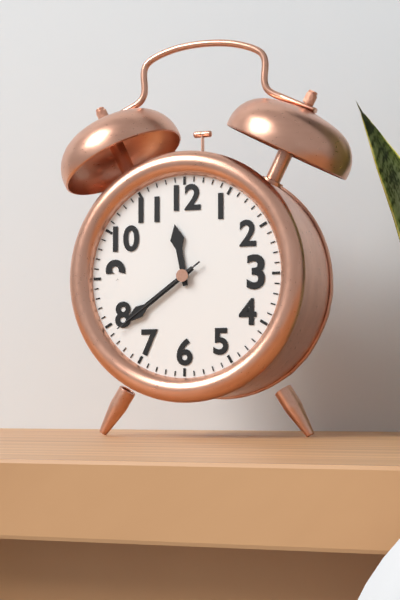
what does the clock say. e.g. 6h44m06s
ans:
11h39m39s
